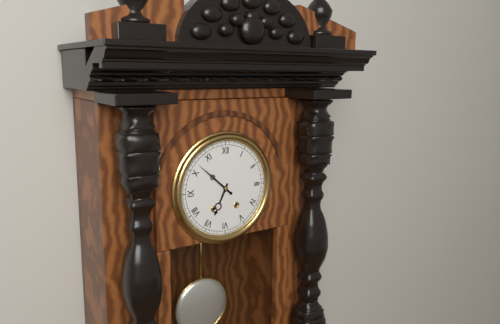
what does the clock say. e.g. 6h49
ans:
6h52
